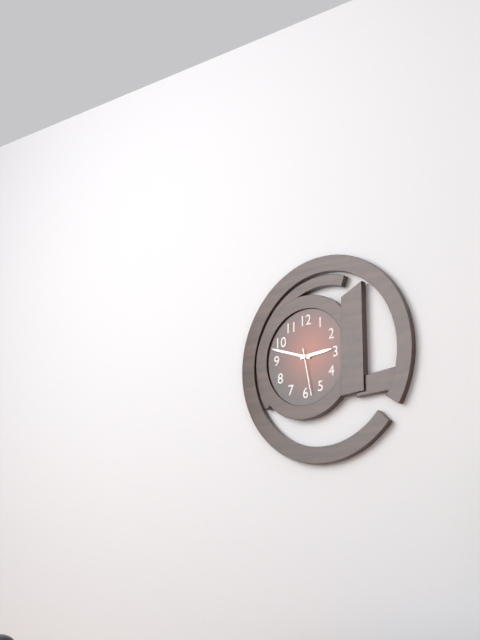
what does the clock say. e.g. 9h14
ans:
2h48
